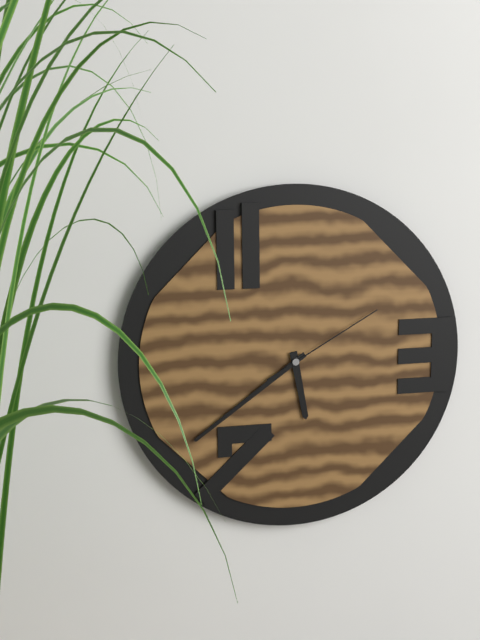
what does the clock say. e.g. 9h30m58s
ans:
5h39m10s
